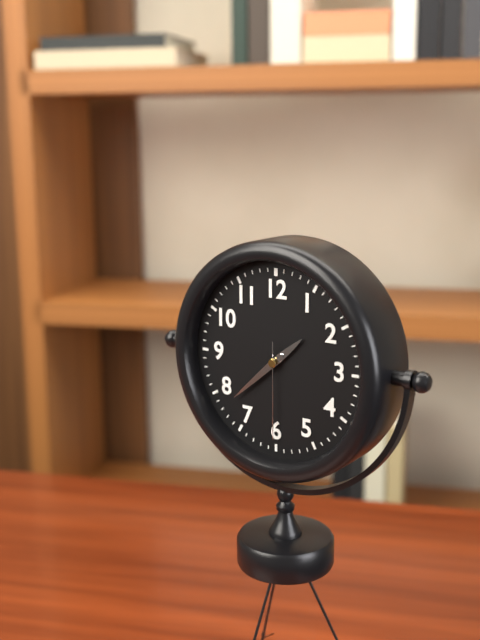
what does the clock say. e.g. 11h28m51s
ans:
1h38m30s
